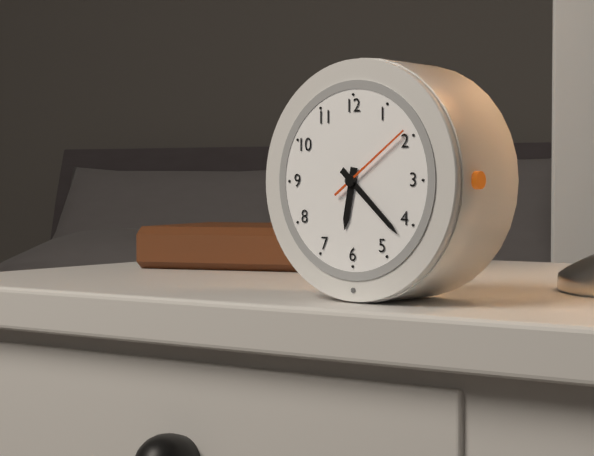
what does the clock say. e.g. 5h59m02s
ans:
6h22m09s
